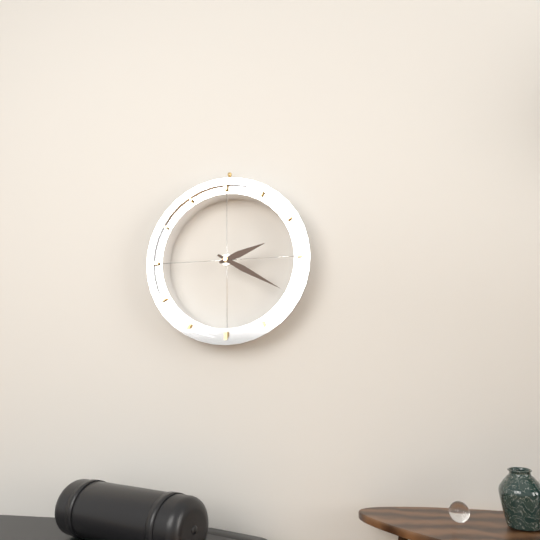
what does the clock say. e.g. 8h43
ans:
2h20
